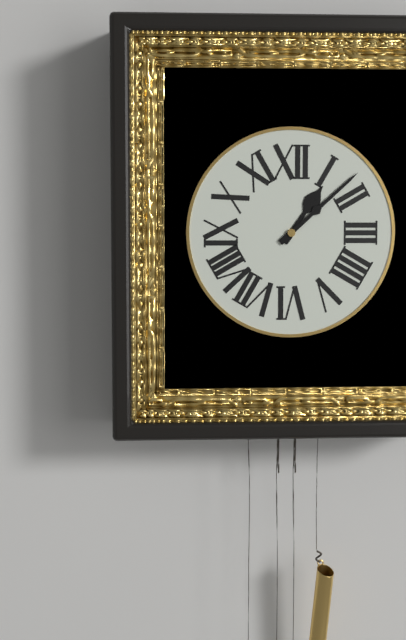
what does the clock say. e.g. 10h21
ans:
1h08
